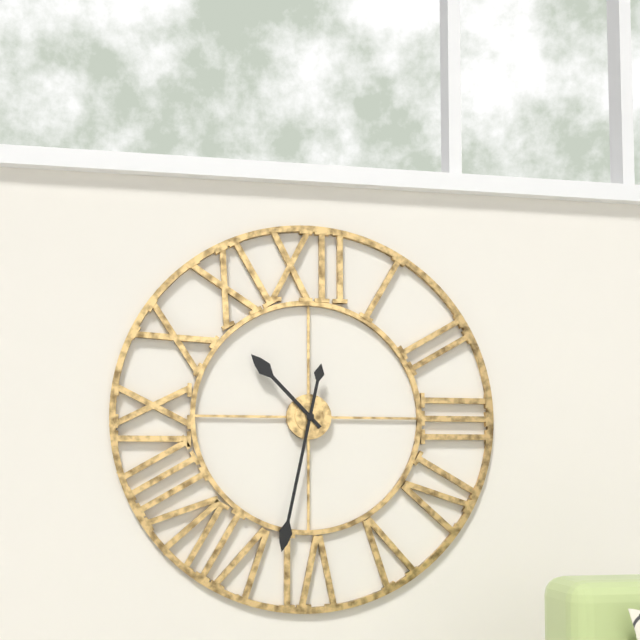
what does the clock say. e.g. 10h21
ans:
10h32
